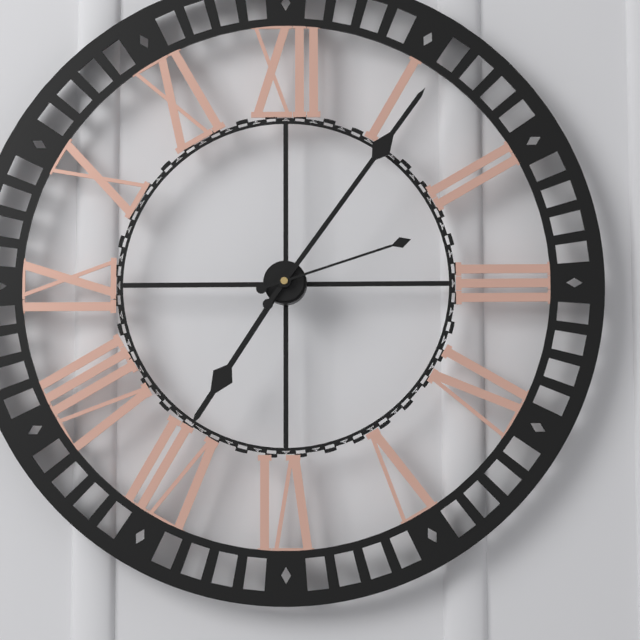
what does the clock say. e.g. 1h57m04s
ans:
7h06m12s
